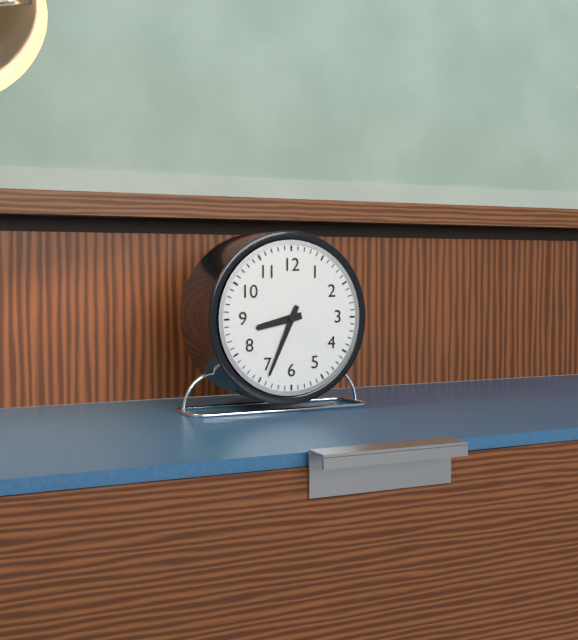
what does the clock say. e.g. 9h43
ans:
8h34
